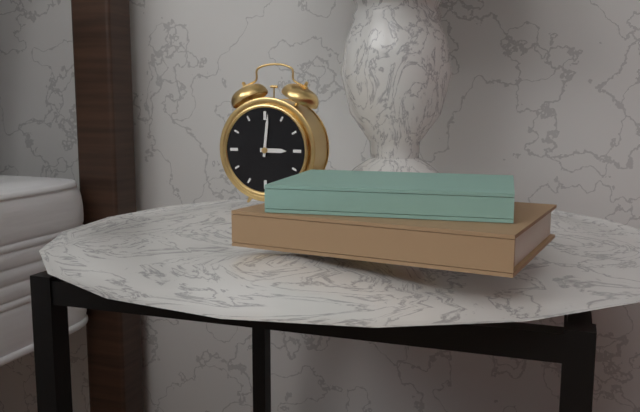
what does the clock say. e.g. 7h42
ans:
3h01
